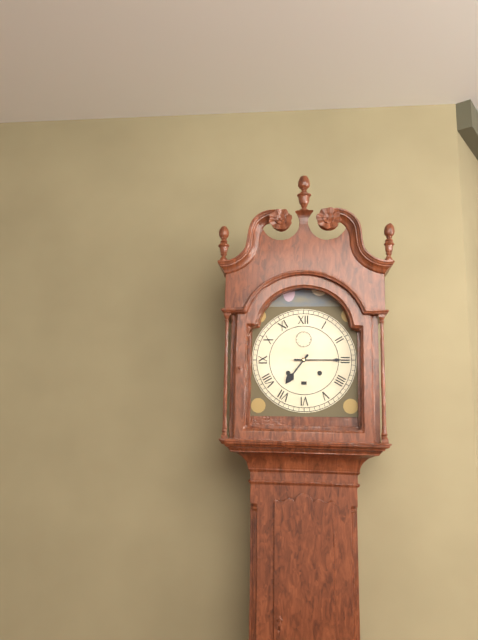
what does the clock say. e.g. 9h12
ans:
7h15
